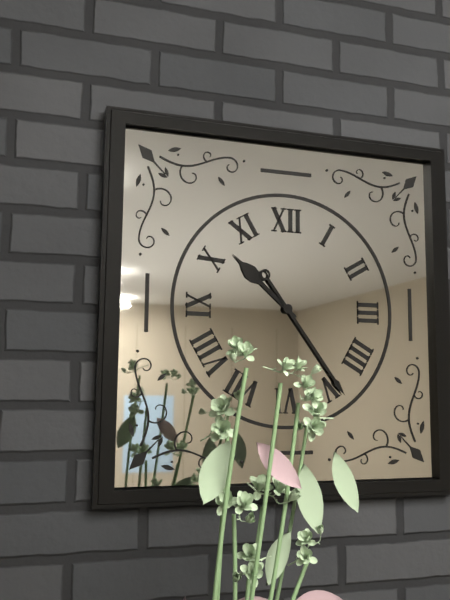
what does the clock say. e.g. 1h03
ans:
10h24
